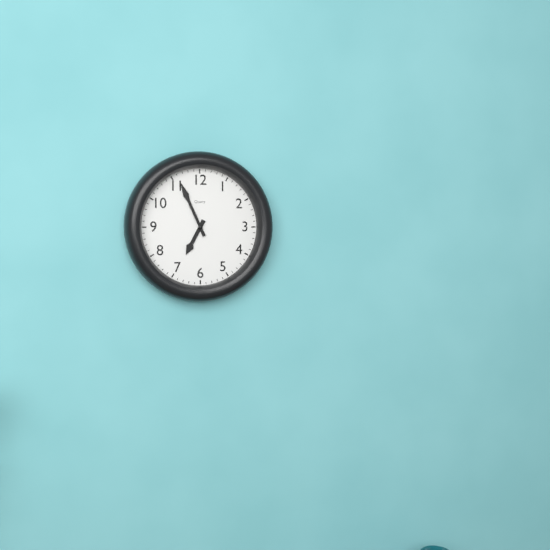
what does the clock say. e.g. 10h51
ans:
6h56
